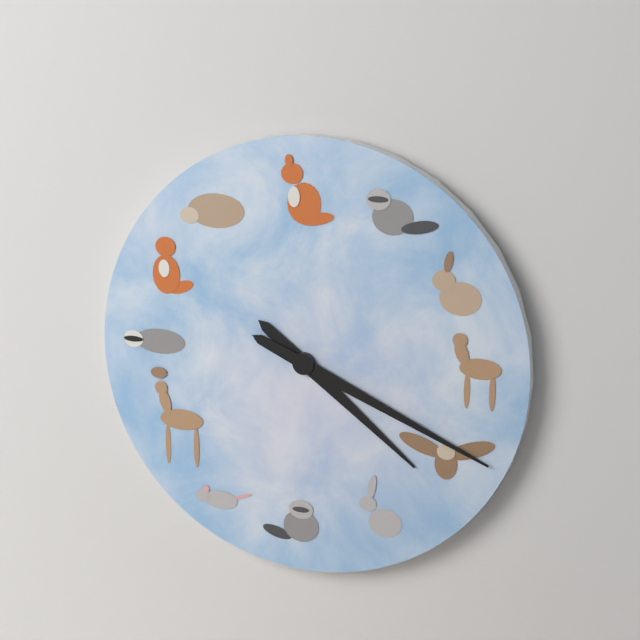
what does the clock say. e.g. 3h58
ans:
4h19
